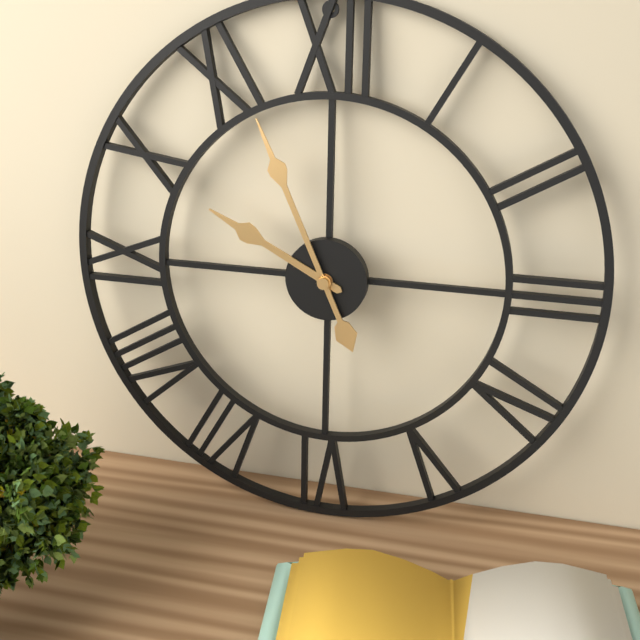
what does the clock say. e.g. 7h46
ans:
9h56
